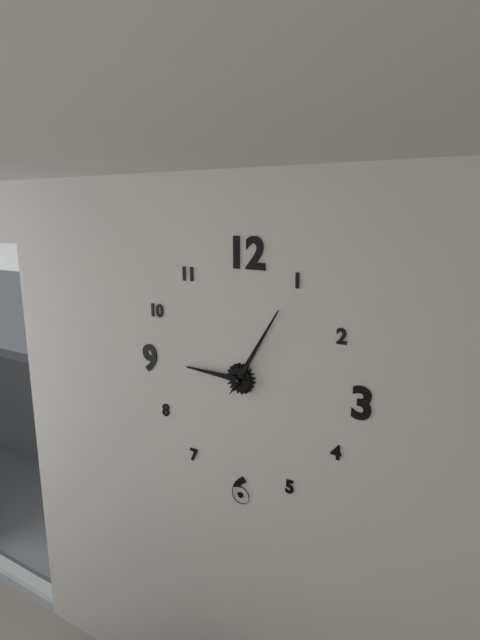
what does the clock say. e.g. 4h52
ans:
9h05
